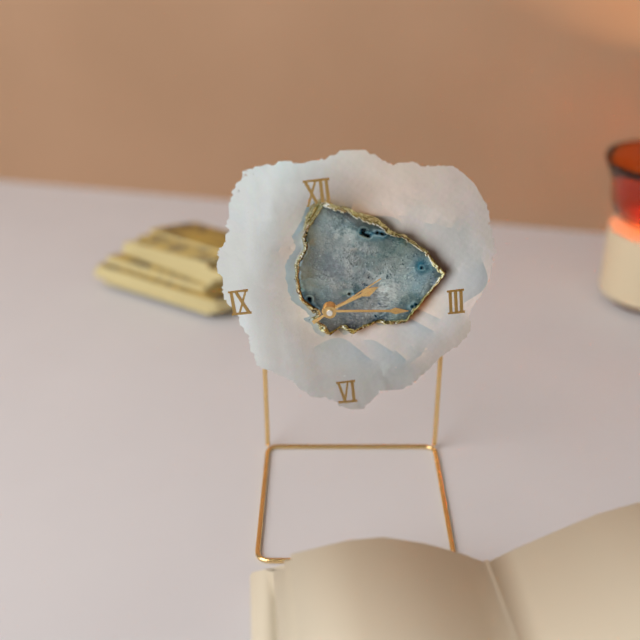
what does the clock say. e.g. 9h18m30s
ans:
2h16m10s
